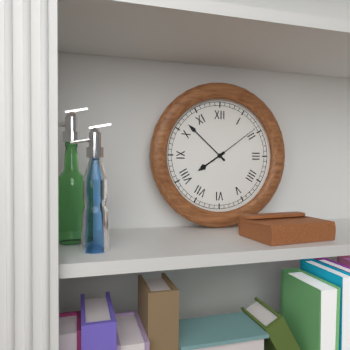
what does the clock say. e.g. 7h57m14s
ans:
7h52m09s
